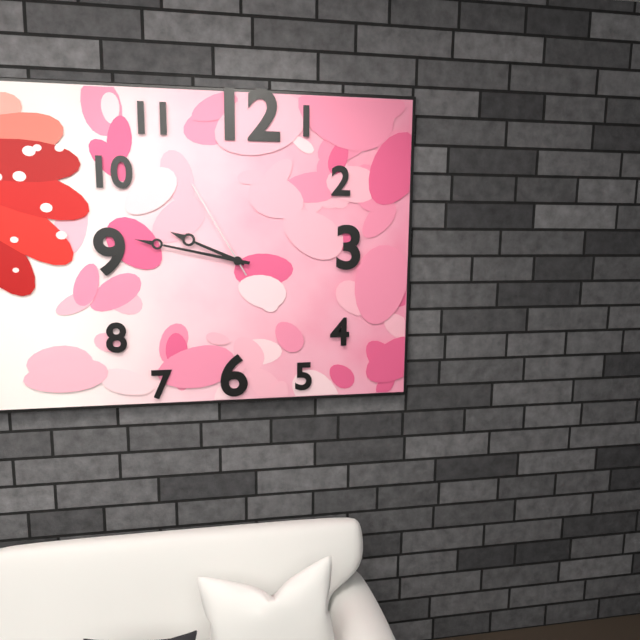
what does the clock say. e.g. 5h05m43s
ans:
9h47m55s
